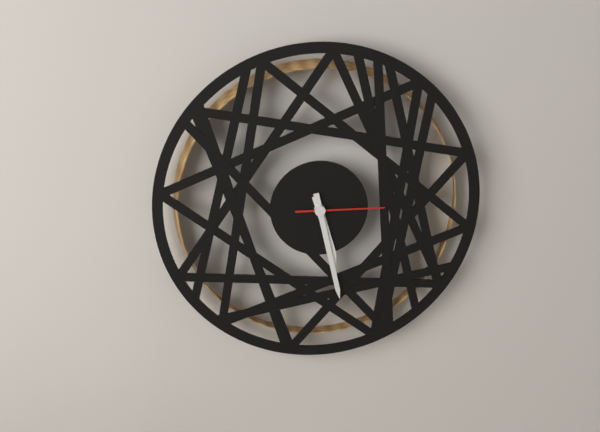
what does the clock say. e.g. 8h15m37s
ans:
5h28m15s
